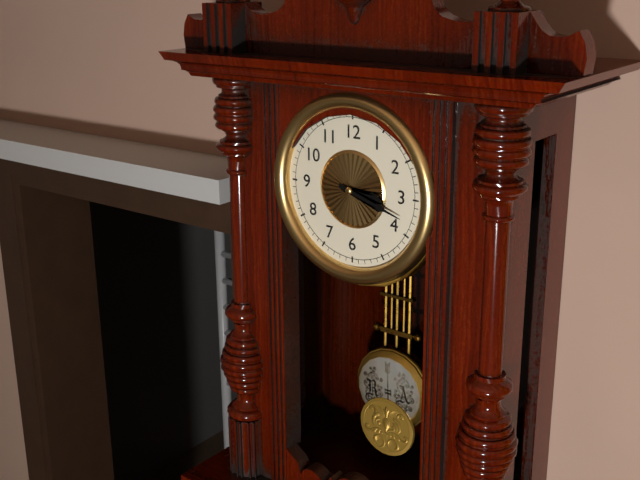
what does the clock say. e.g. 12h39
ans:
3h18
